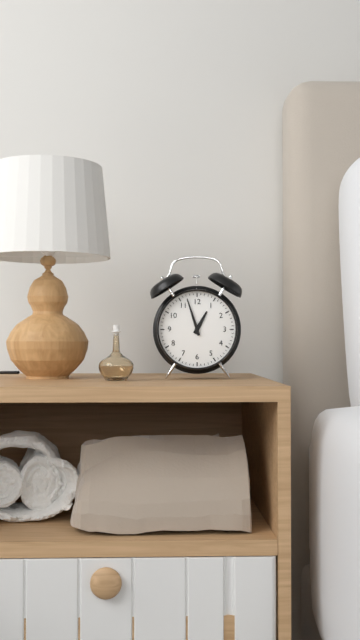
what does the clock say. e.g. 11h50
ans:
12h57
